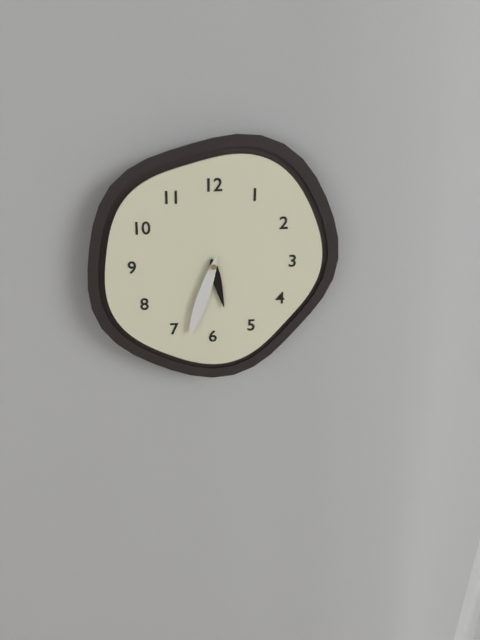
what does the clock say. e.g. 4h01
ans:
5h33
